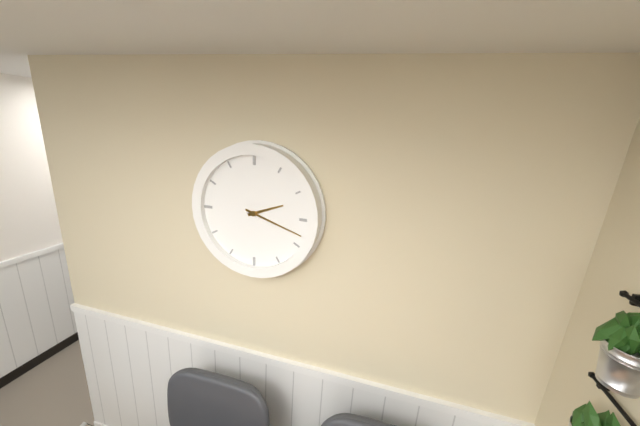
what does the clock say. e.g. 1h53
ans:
2h18
